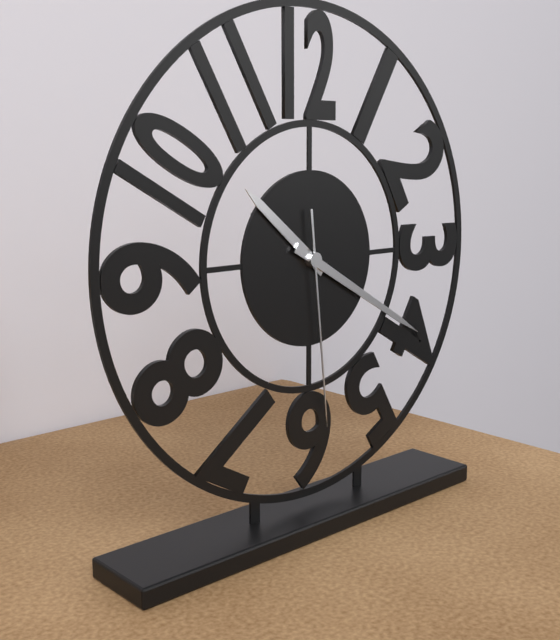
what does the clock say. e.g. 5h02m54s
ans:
10h20m29s
